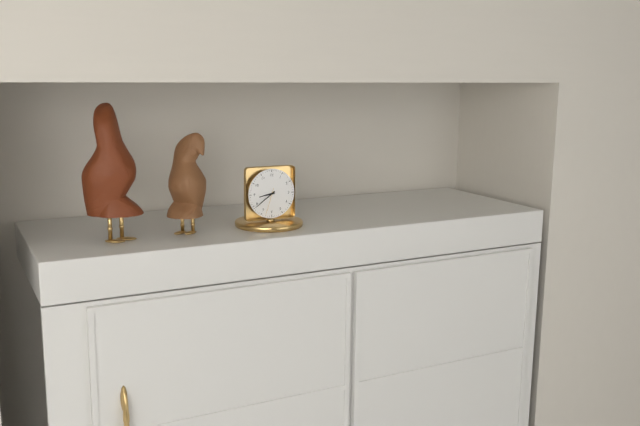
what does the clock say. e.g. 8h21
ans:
8h39
